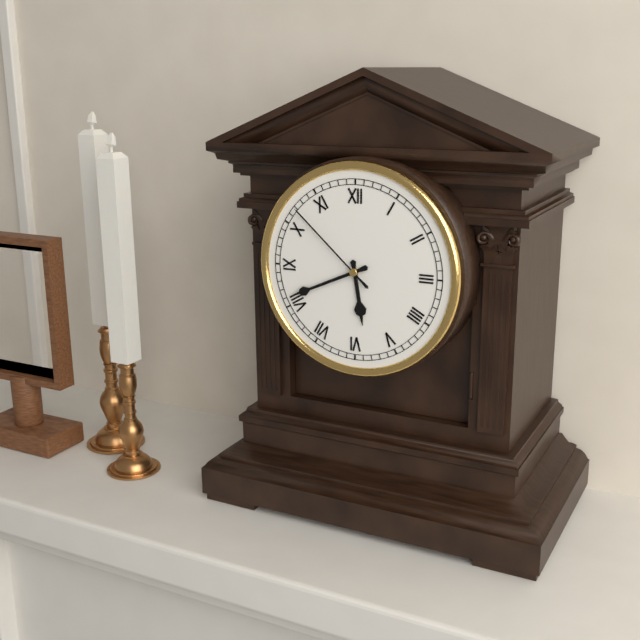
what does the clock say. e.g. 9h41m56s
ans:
5h41m52s
